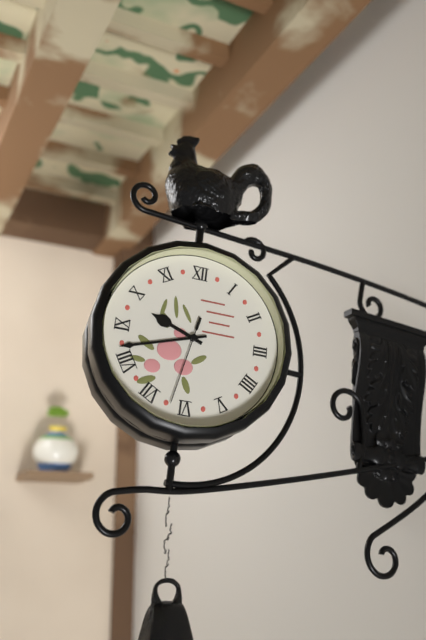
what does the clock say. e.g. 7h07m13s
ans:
9h42m32s
